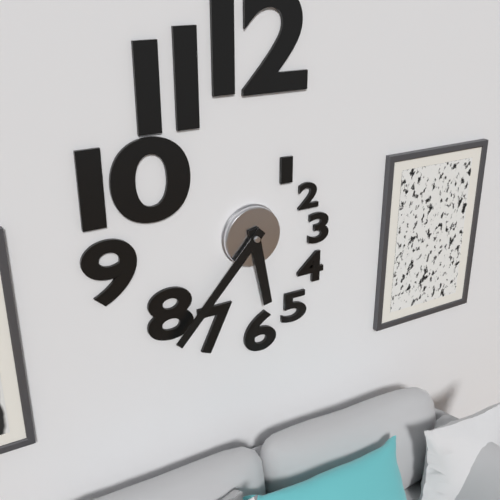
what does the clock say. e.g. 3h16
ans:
5h37
